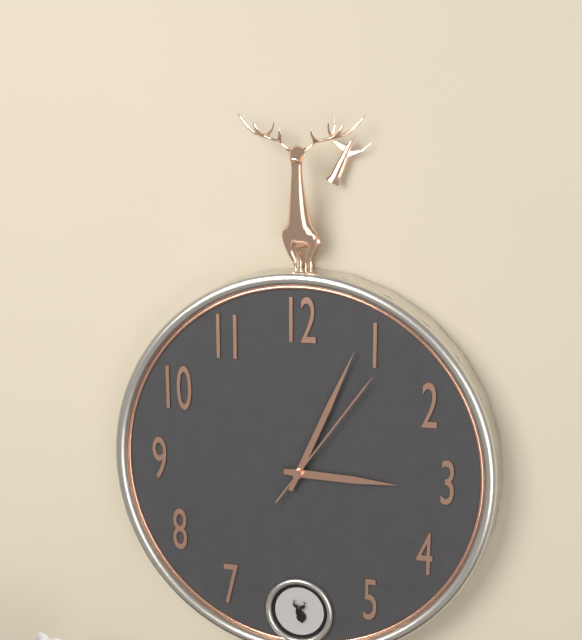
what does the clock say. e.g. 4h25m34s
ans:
3h04m06s
